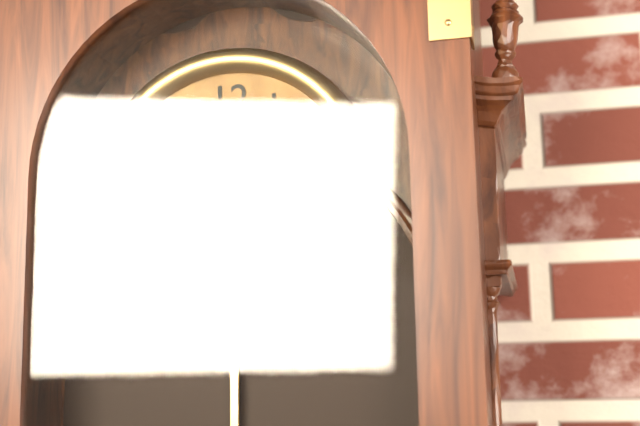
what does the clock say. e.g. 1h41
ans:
8h14
